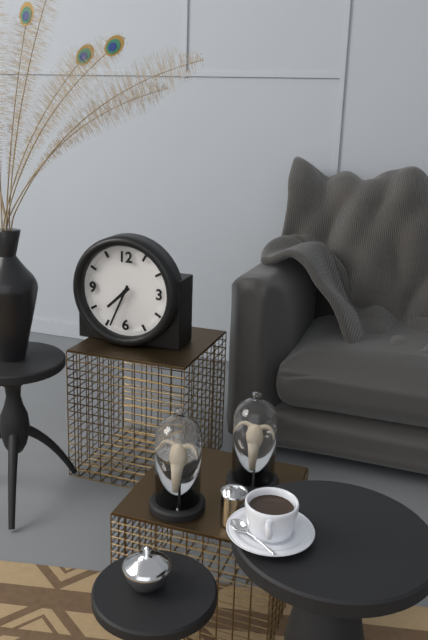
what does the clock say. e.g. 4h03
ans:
7h34
